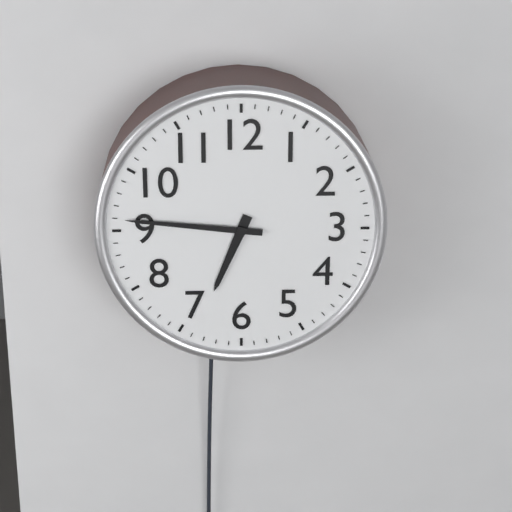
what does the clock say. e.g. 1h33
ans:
6h46
